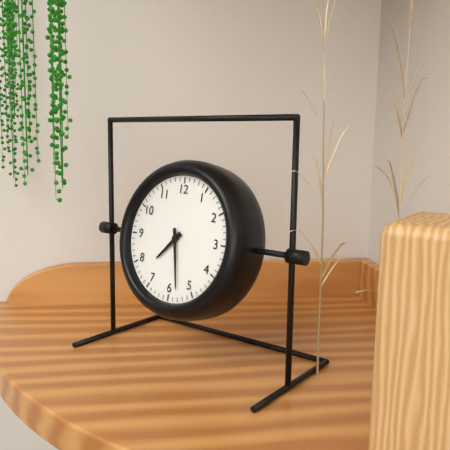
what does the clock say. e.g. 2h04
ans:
7h28
